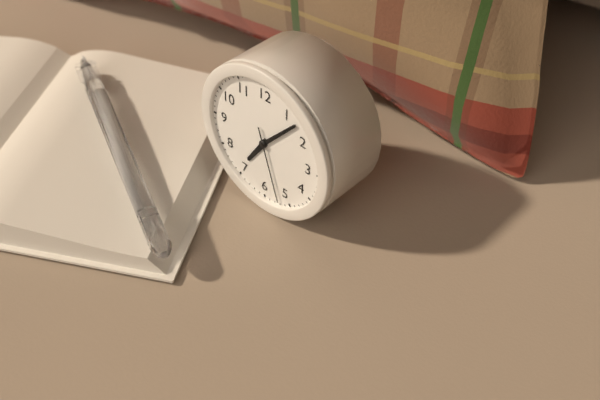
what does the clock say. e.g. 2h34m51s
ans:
7h07m27s
